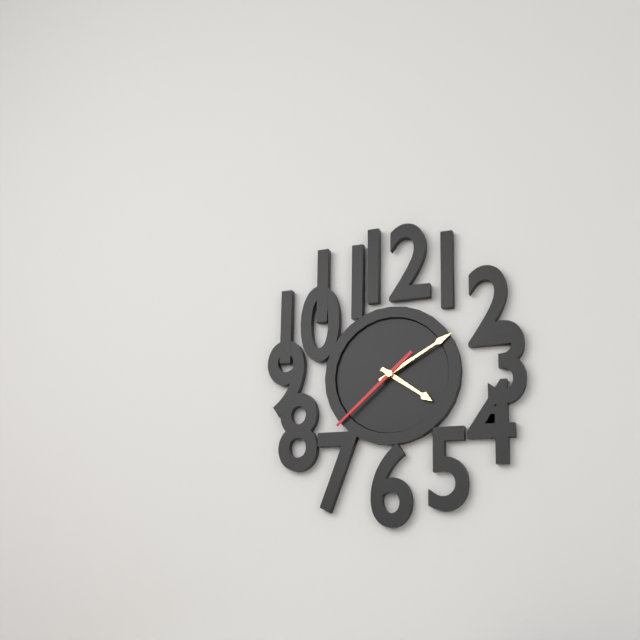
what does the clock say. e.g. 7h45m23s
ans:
4h10m38s
